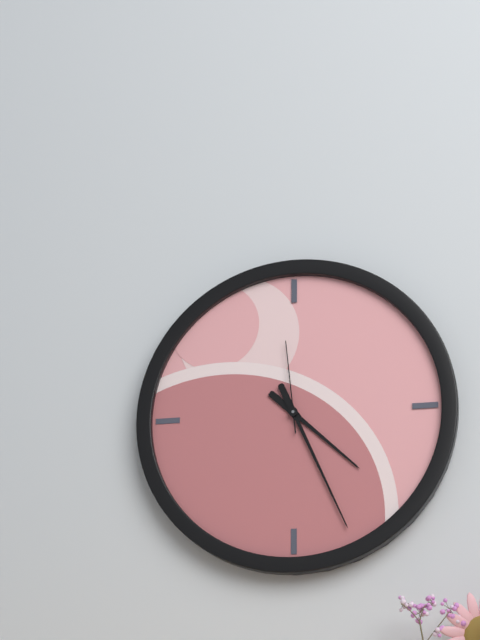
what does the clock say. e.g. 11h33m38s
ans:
4h26m59s
